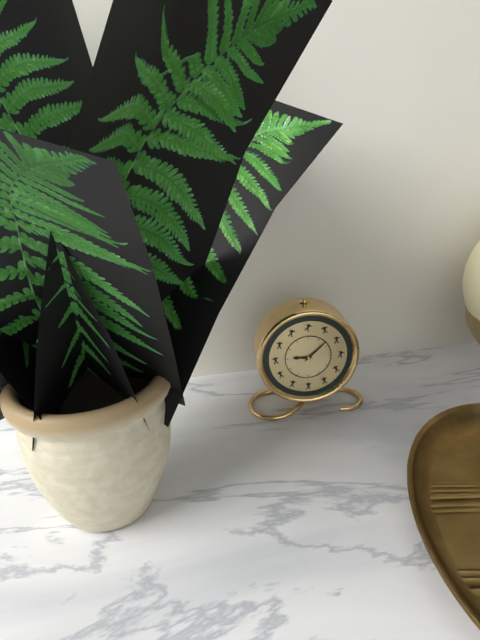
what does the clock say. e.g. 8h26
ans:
9h08
